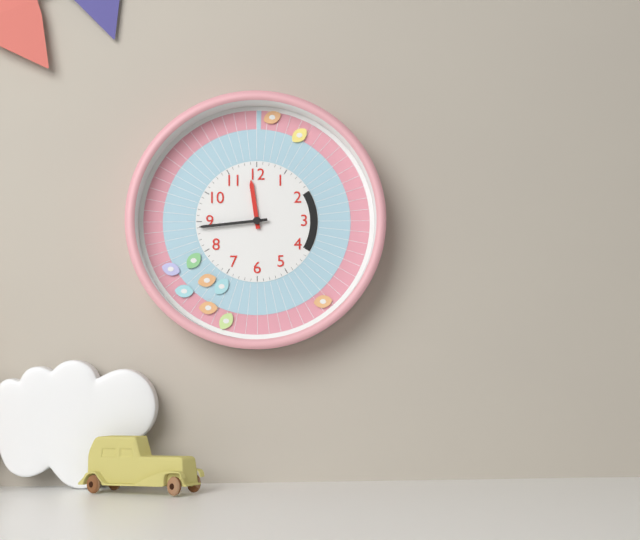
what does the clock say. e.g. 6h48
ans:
11h44
